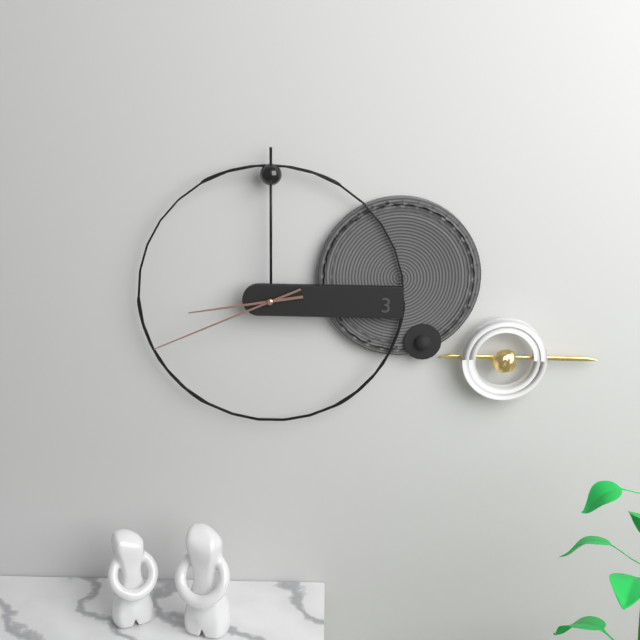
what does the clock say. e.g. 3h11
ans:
8h41
